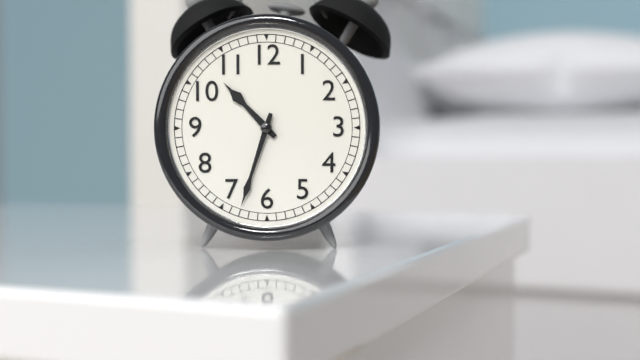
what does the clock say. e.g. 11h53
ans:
10h33
